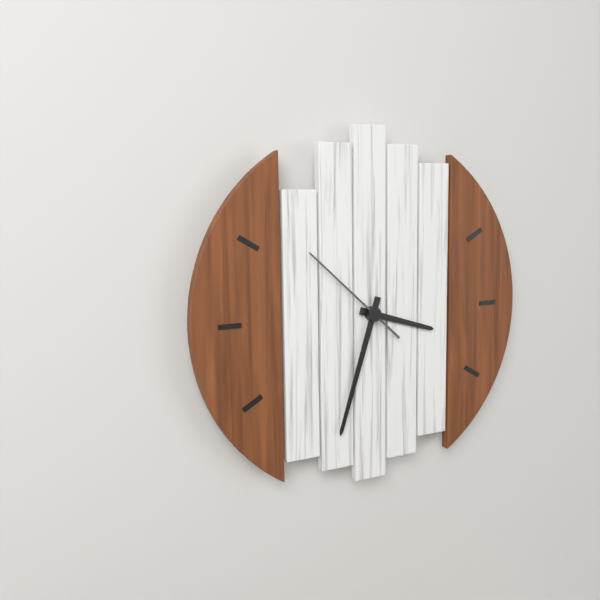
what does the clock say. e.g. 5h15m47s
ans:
3h33m52s
